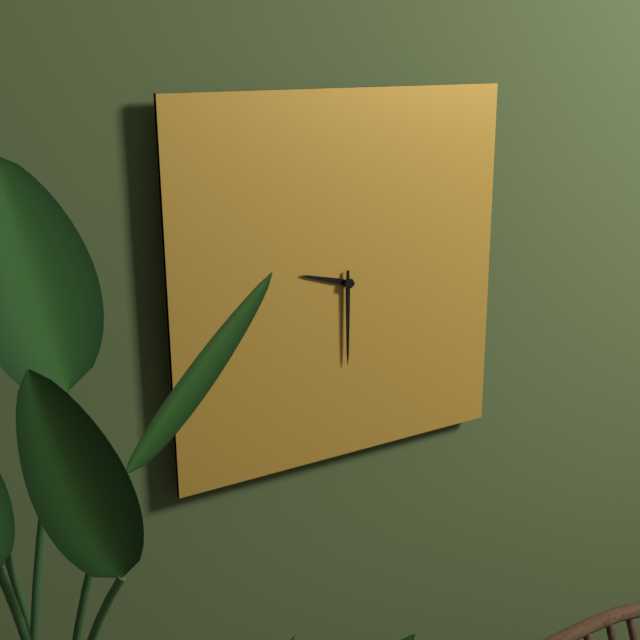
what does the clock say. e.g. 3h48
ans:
9h30
